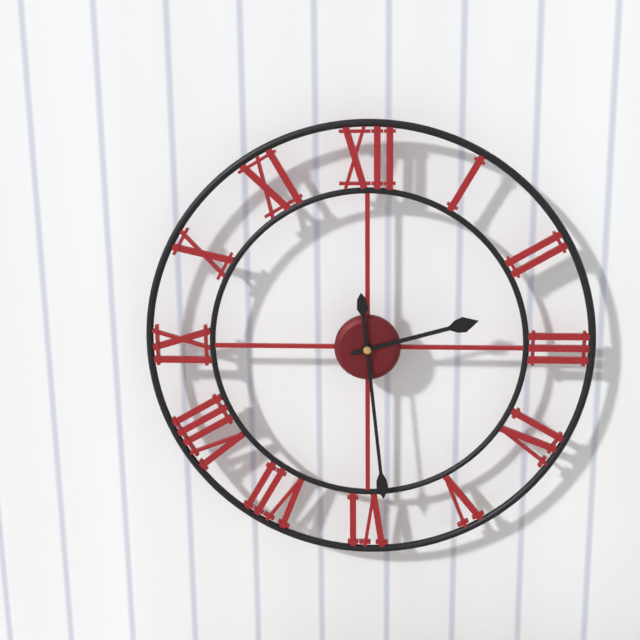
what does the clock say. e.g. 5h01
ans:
2h29
